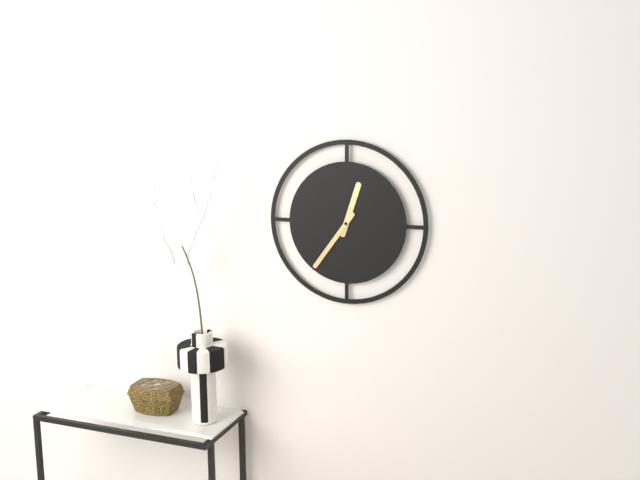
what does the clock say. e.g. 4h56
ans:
12h36
